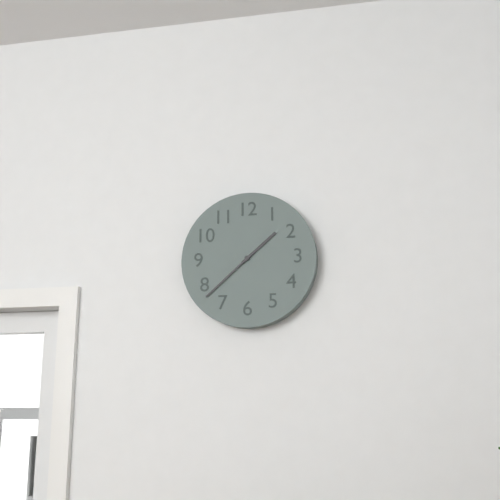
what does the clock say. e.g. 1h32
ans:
1h38
